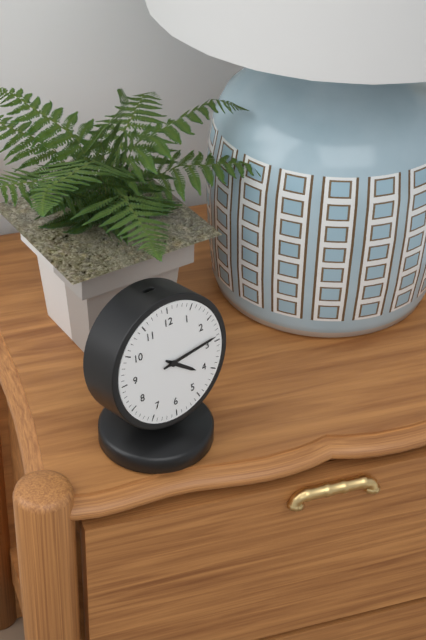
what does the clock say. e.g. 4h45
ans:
4h14
